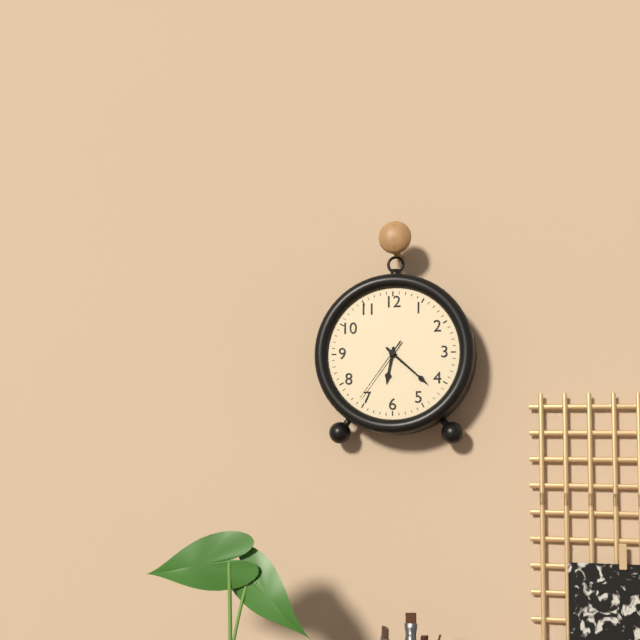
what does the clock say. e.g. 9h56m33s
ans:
6h22m36s
